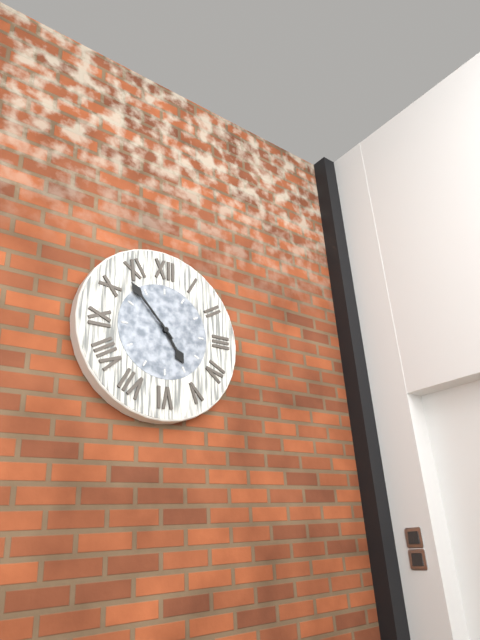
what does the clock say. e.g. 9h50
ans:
4h53
